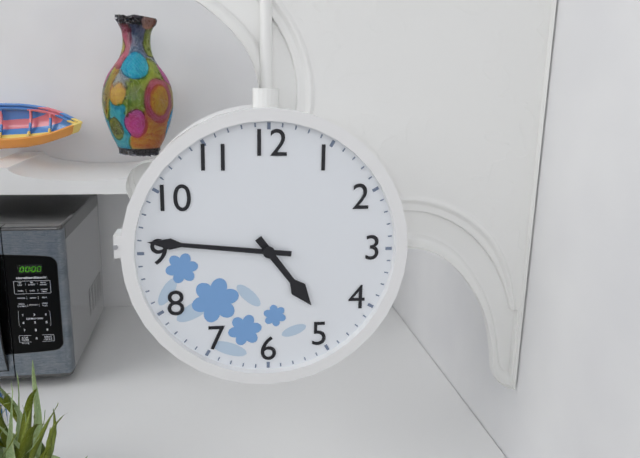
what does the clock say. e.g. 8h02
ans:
4h46
